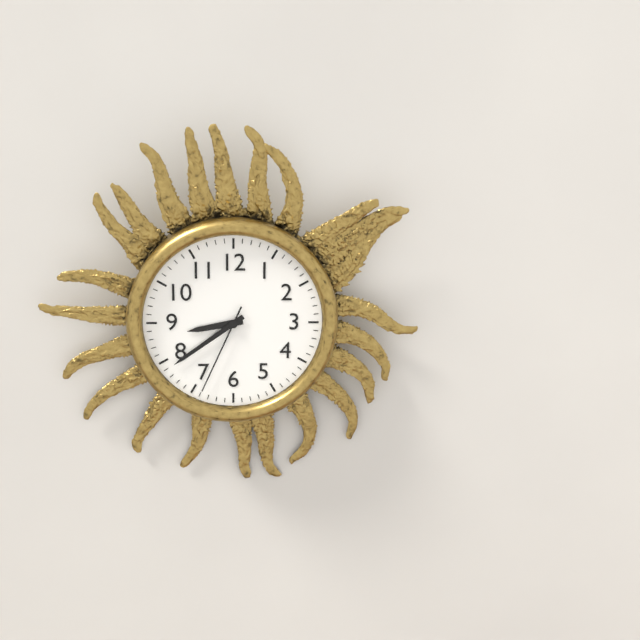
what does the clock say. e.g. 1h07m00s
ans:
8h39m34s
